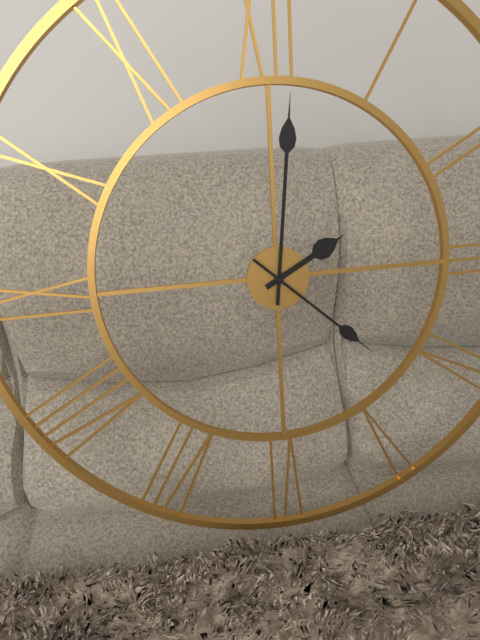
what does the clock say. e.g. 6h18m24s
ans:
2h01m22s
